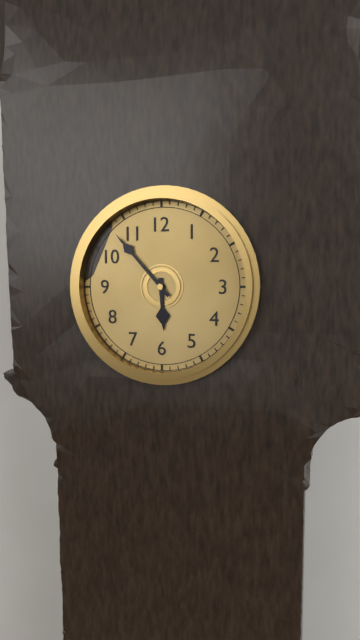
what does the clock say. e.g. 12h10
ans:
5h53
